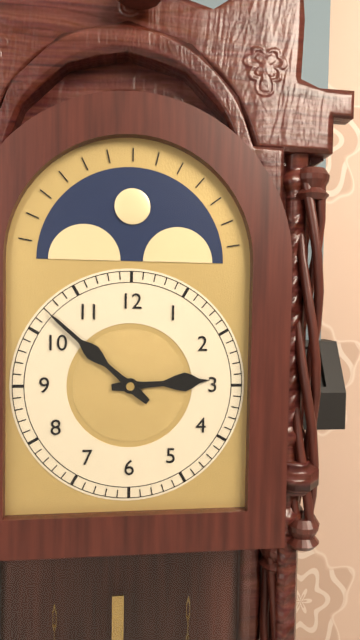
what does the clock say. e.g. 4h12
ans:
2h52
